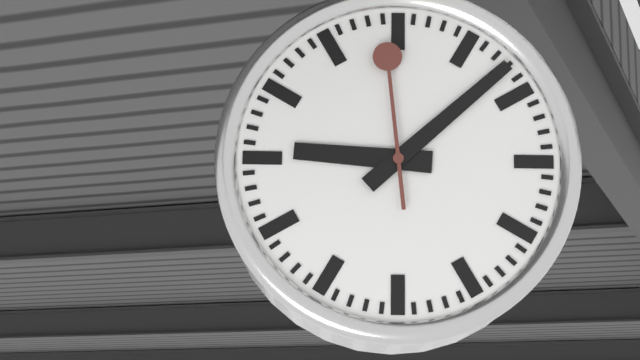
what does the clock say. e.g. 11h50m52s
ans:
9h08m59s
